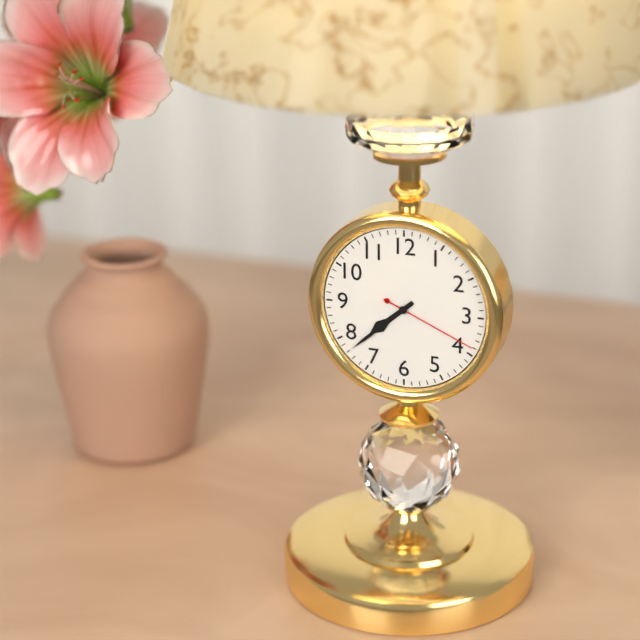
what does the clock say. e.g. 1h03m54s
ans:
7h38m19s
